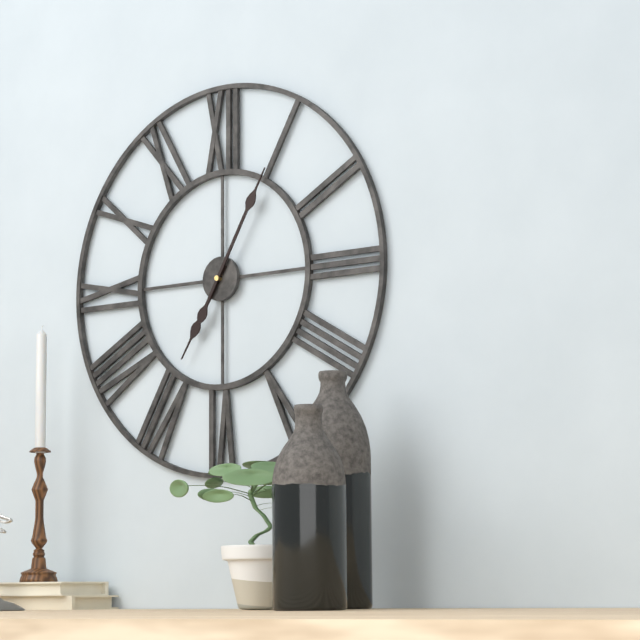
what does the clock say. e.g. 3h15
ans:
7h05
